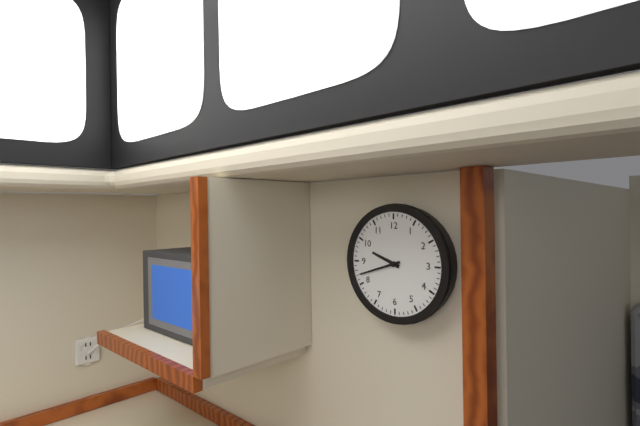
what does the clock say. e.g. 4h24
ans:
9h42
